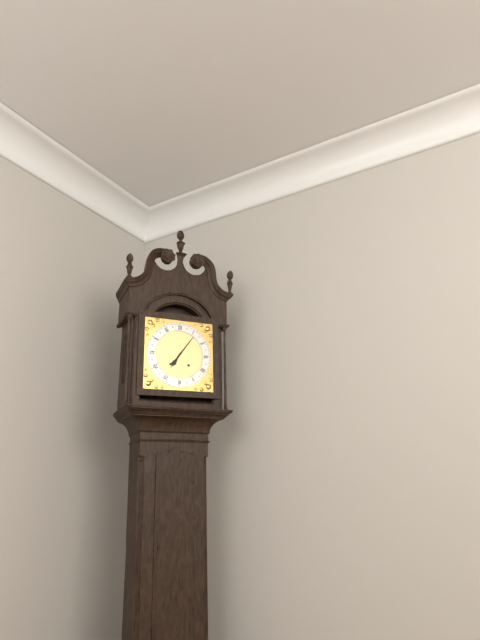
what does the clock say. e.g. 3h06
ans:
7h06
